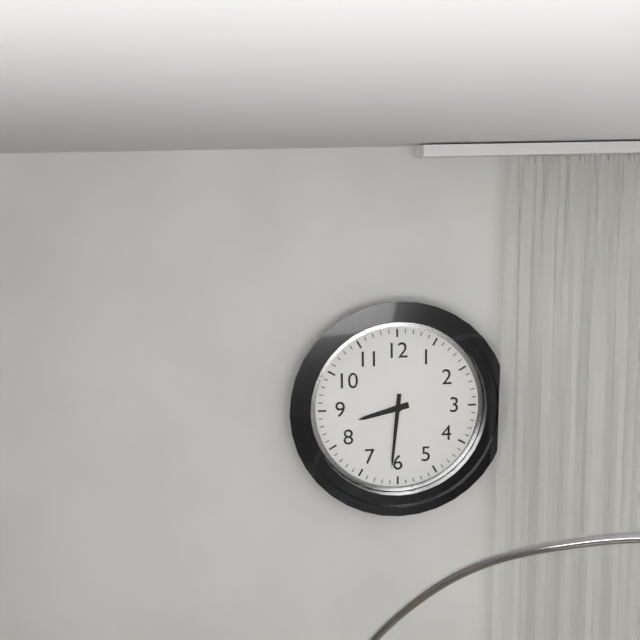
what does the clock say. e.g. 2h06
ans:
8h31
